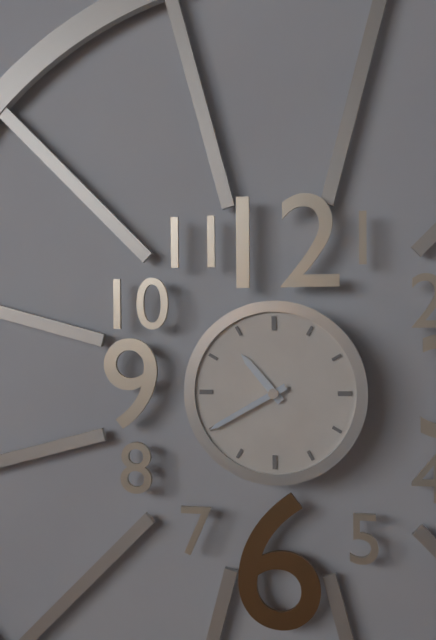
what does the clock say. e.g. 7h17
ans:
10h40
